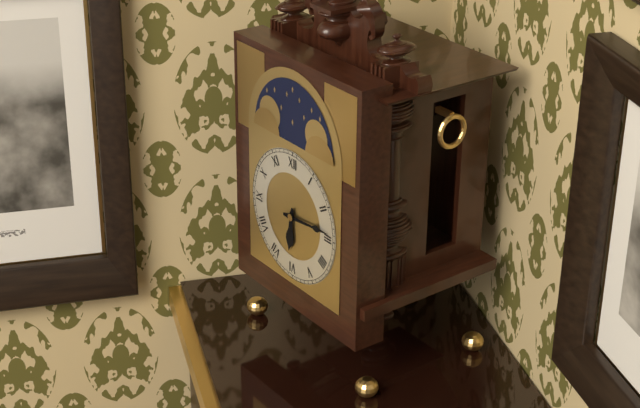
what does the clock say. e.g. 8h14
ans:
6h14
